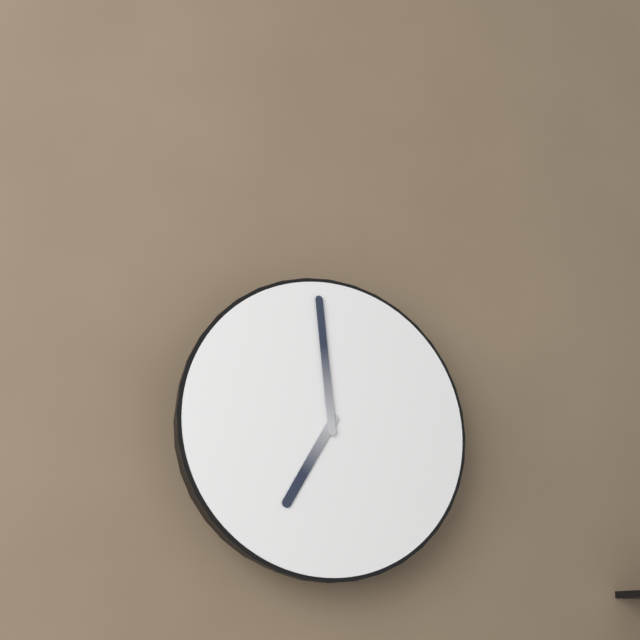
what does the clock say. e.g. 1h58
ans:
6h59
